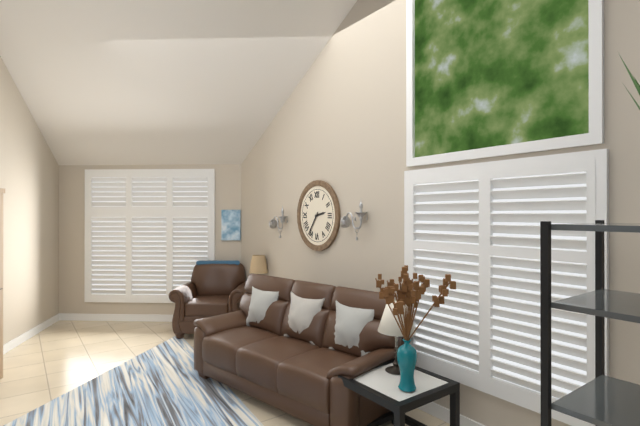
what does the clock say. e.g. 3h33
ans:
2h36
